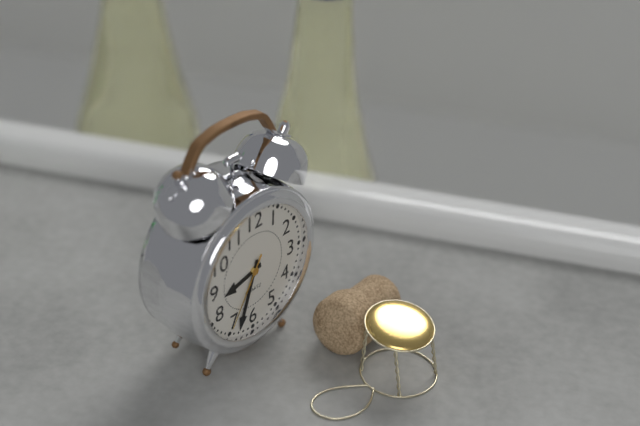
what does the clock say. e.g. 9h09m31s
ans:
8h33m35s
